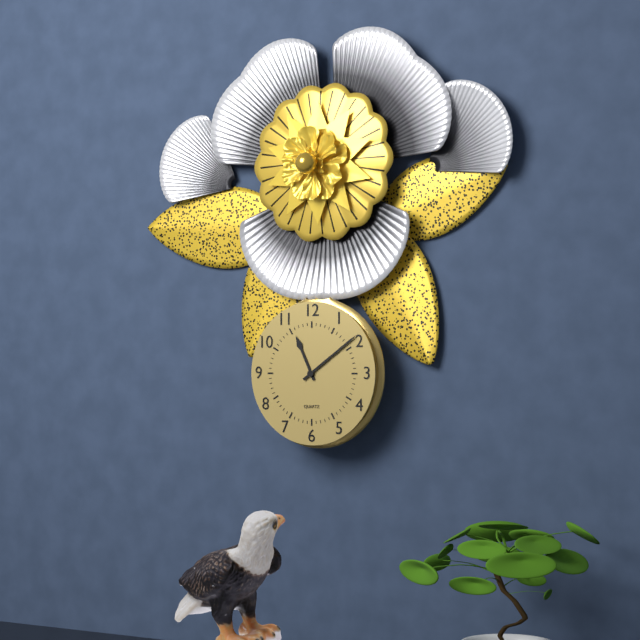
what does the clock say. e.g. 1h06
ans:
11h09
